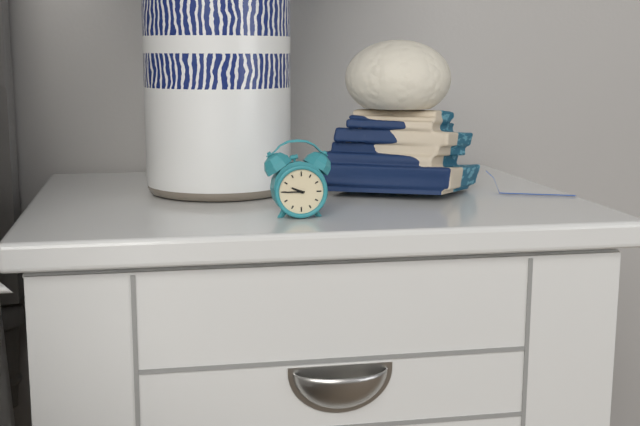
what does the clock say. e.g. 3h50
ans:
9h45
